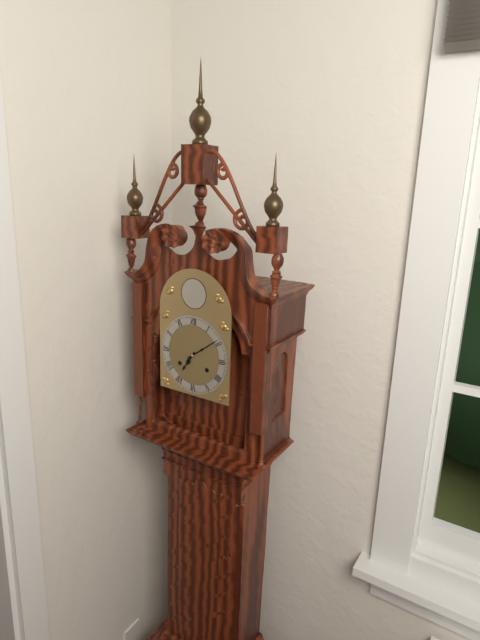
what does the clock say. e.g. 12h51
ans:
7h09
